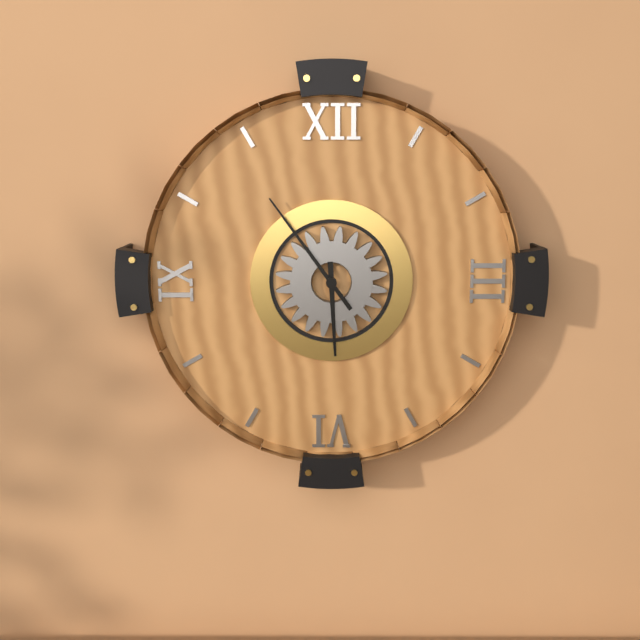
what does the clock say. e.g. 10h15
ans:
5h54
